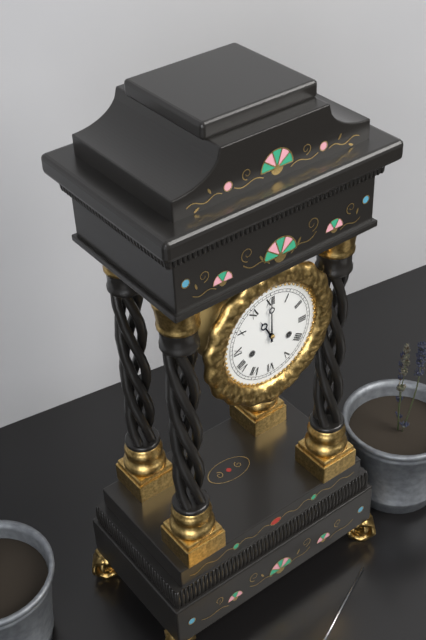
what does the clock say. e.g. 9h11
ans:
11h00
